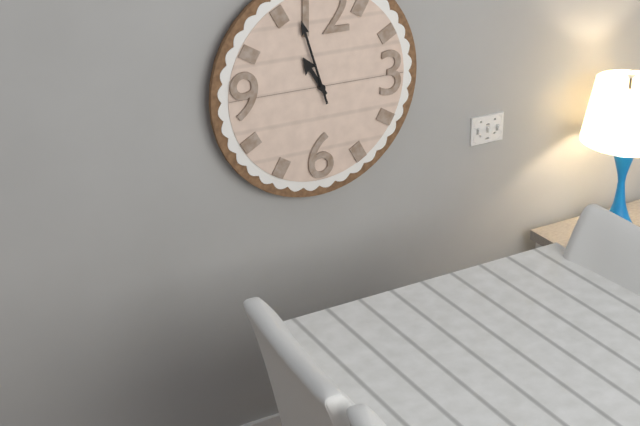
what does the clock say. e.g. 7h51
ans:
10h57
